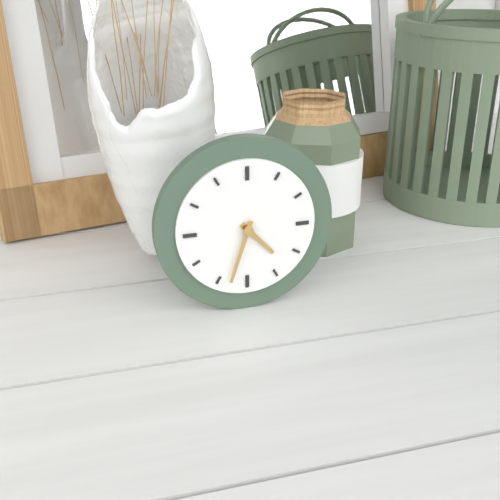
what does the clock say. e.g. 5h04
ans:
4h33
